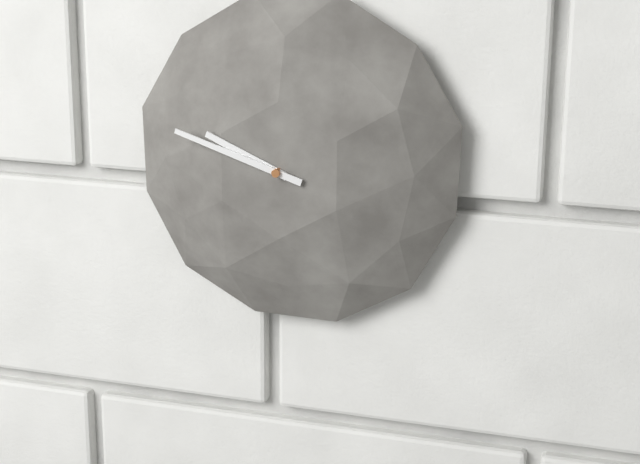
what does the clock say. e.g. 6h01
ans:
9h48
